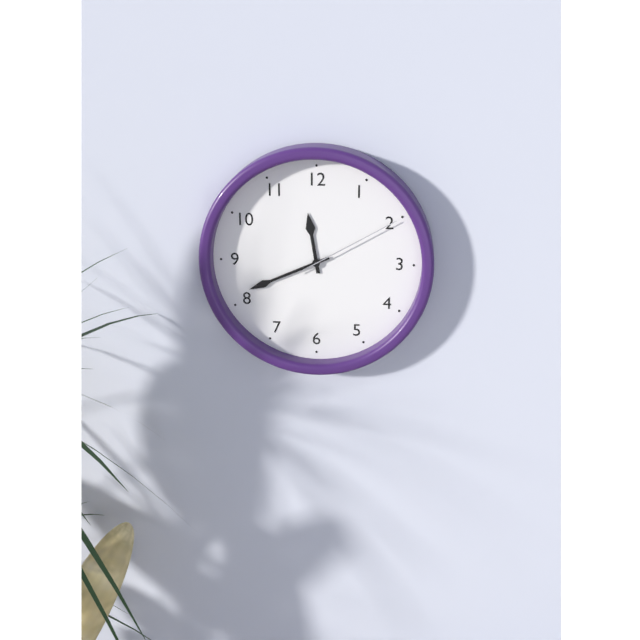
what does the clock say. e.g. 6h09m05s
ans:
11h41m10s
